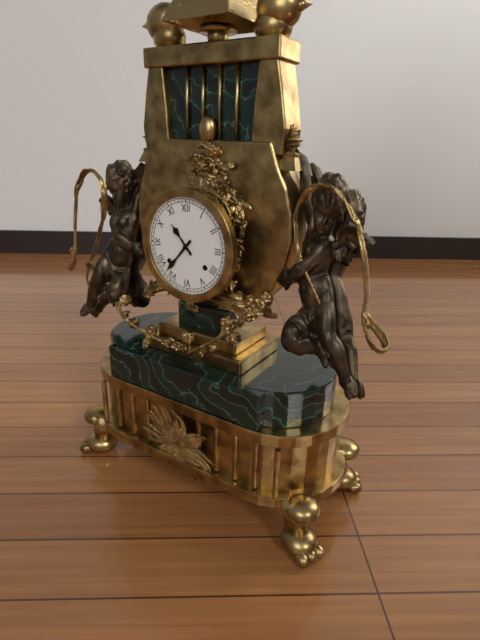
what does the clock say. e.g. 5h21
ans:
10h37
